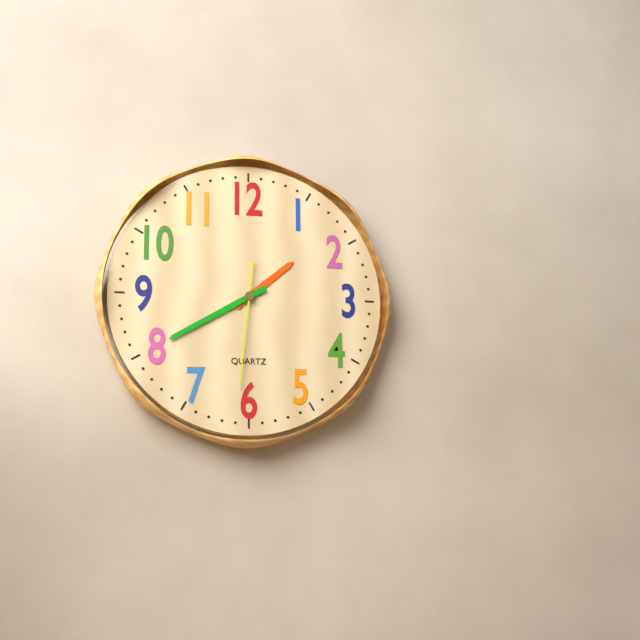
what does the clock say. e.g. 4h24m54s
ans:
1h40m31s
